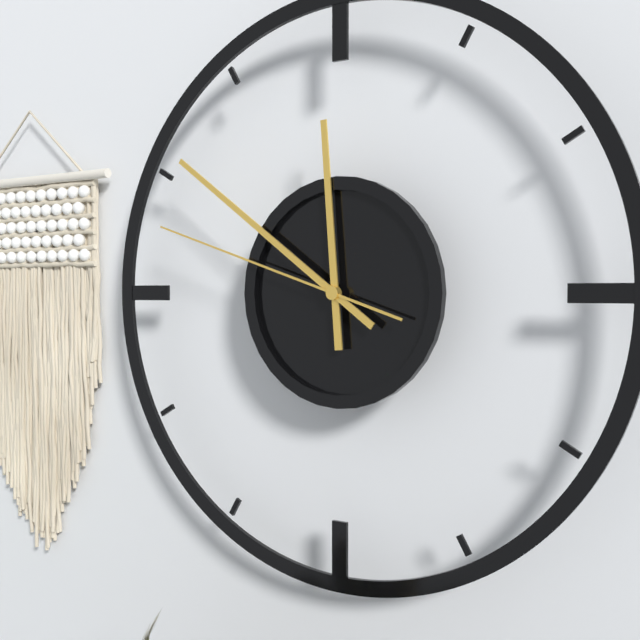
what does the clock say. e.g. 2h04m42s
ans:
11h51m48s
